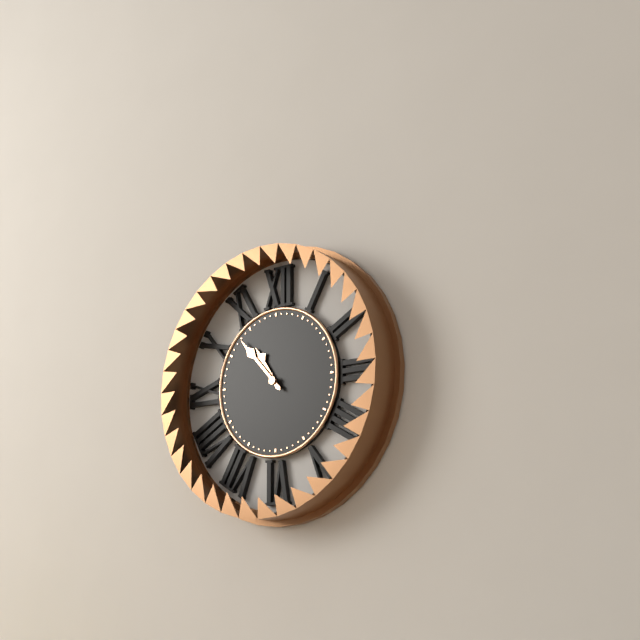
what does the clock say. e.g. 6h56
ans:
10h53
